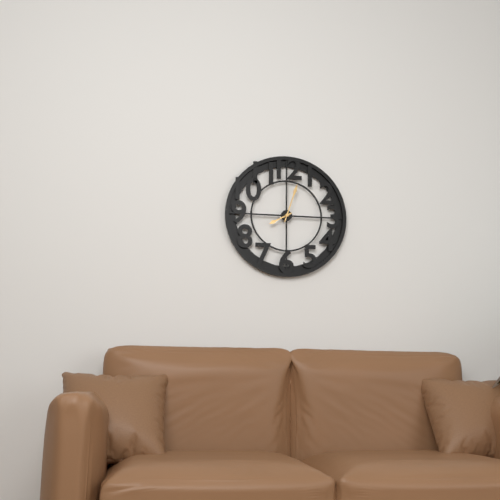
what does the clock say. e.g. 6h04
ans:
8h03
